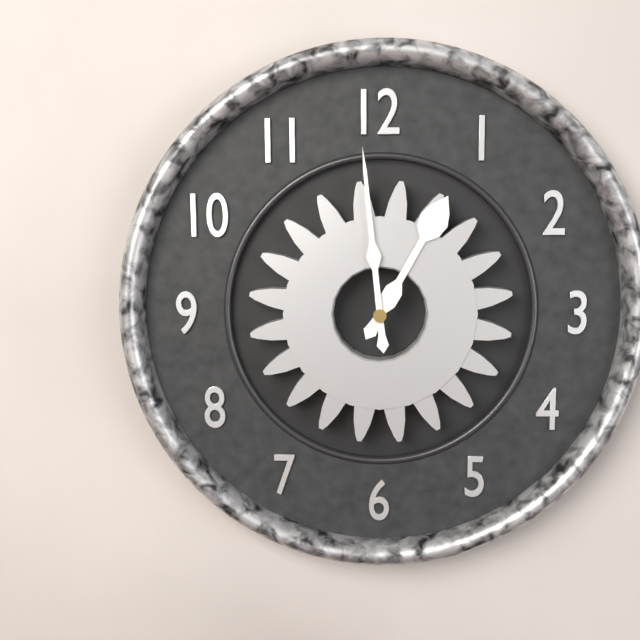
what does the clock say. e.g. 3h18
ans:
12h59
